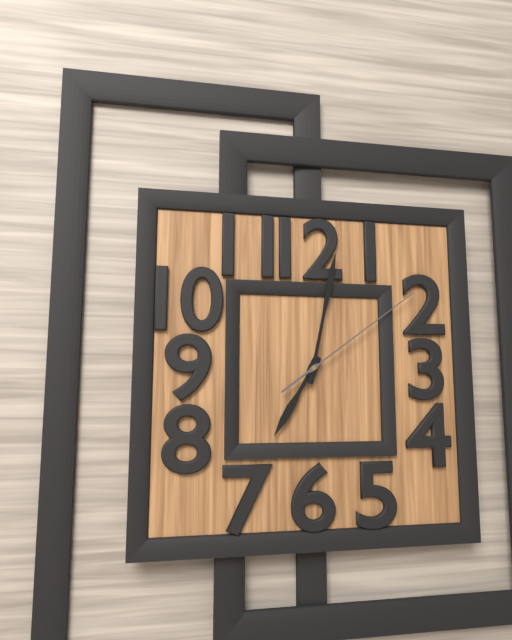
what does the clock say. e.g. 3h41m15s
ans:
7h02m09s
